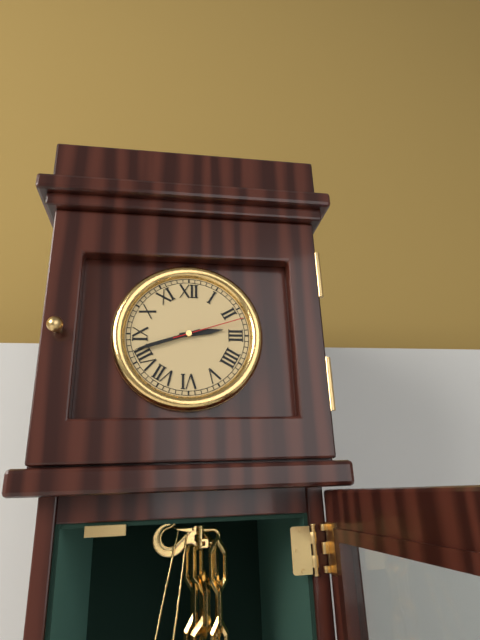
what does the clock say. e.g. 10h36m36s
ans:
2h42m12s
